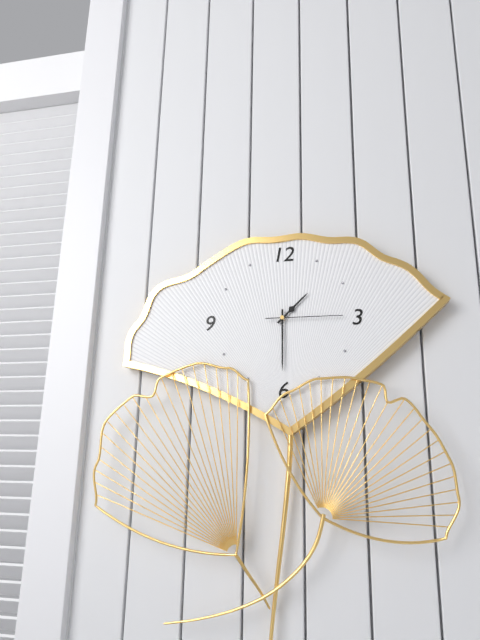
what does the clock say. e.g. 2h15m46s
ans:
1h30m15s
